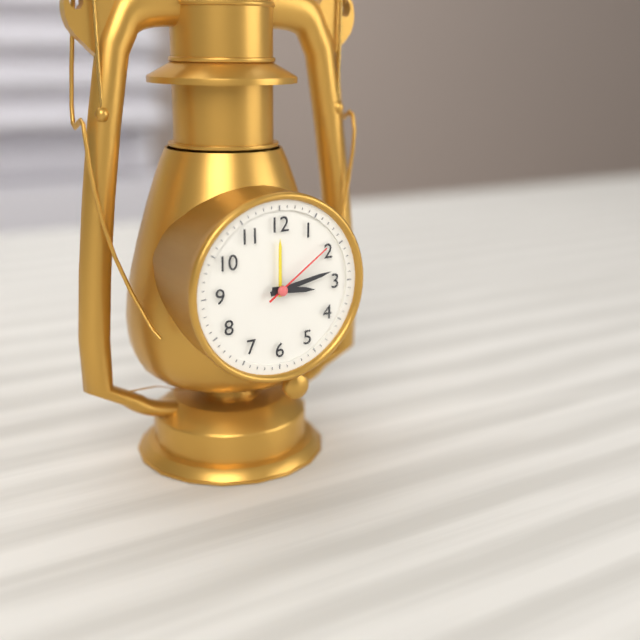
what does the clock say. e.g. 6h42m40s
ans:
3h13m09s
